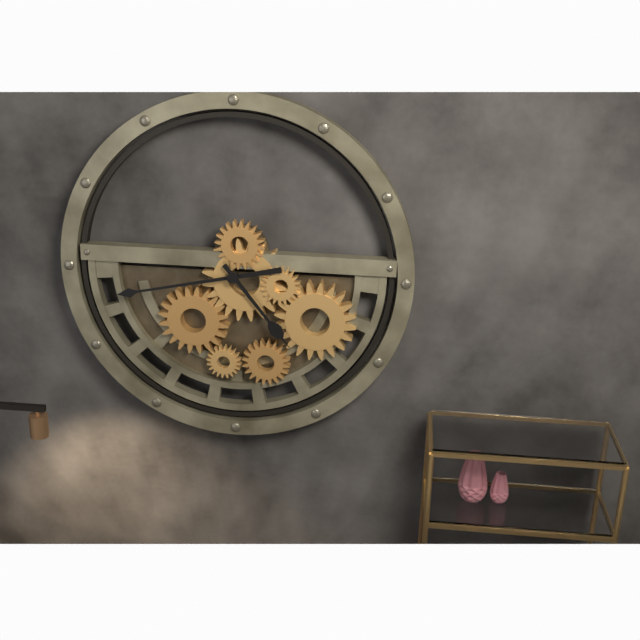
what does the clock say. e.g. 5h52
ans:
4h43
